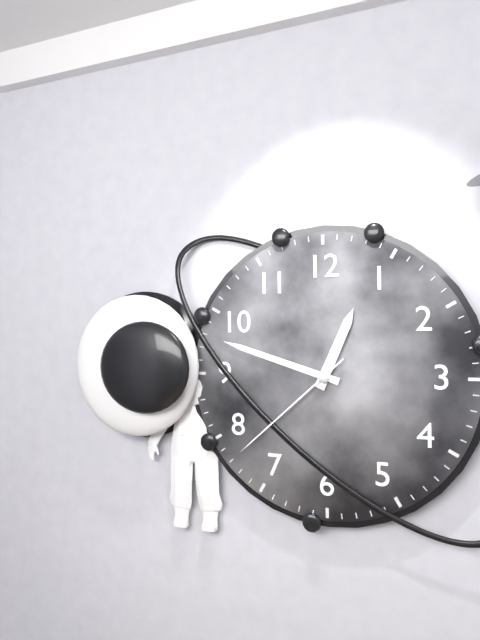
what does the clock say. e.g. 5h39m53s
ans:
12h48m38s
